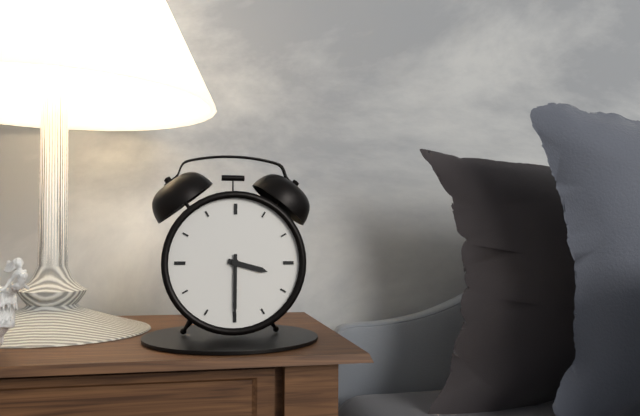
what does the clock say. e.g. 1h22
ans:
3h30
